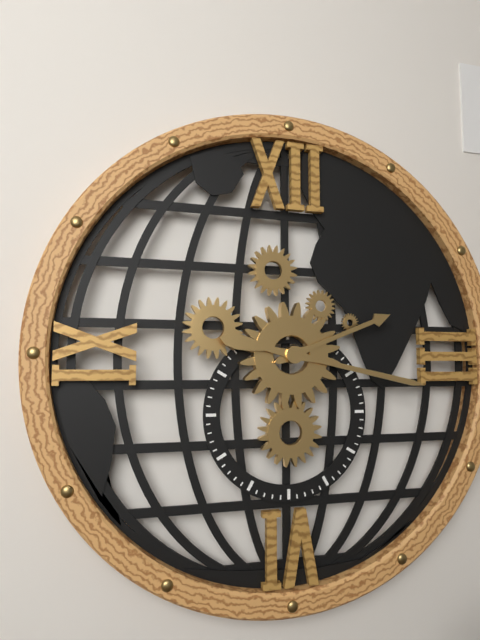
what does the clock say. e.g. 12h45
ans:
2h17
